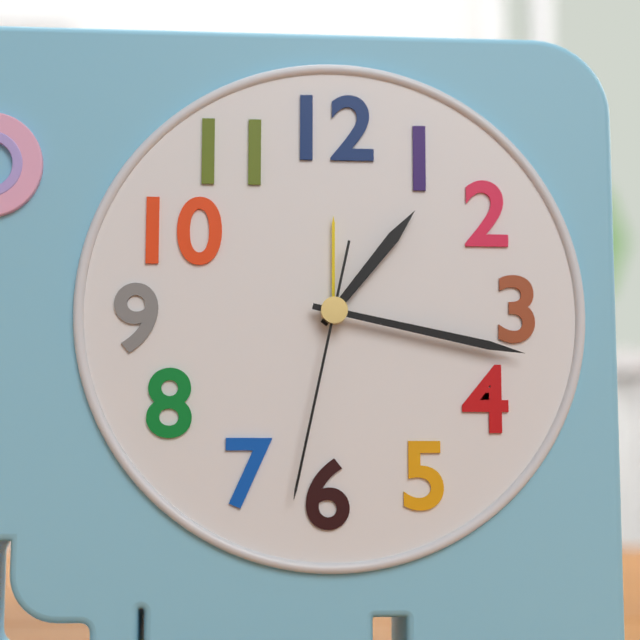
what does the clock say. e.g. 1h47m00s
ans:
1h17m32s
